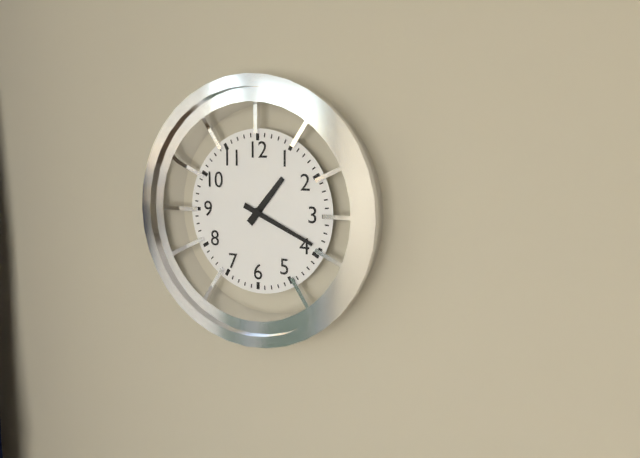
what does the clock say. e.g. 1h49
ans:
1h19
